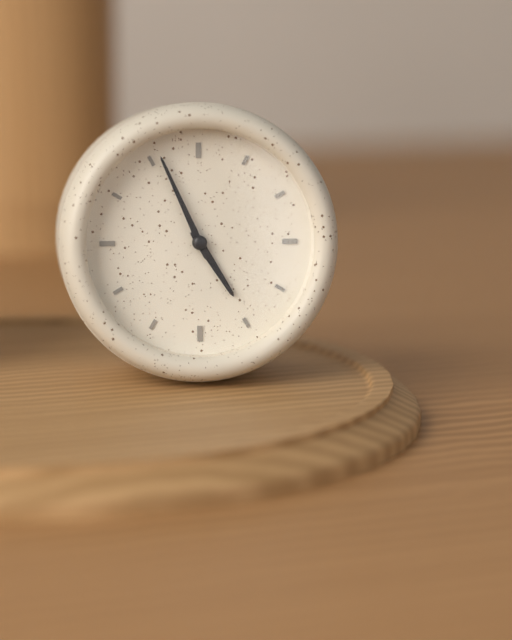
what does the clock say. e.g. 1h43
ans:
4h56
